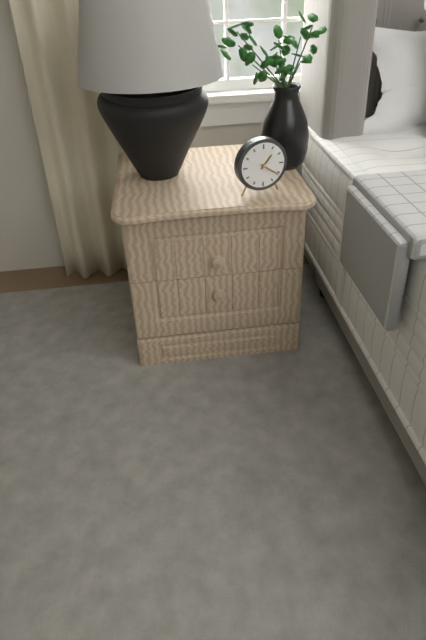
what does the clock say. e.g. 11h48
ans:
1h21
